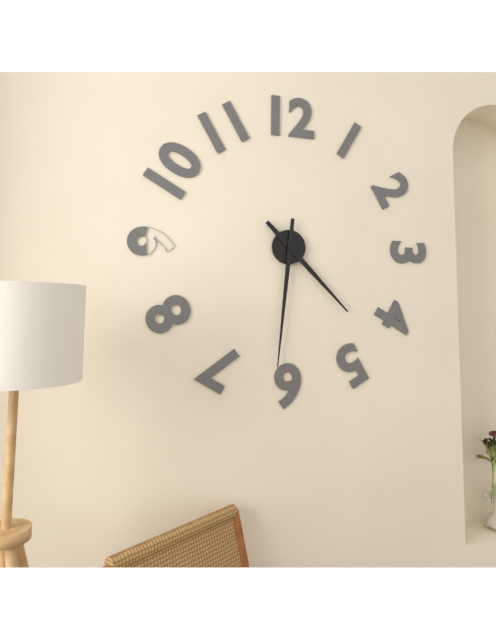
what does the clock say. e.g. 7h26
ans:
4h31
